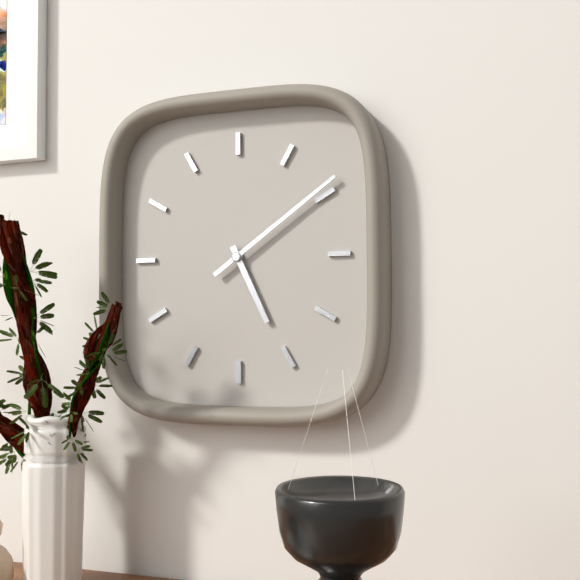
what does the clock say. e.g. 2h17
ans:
5h09
